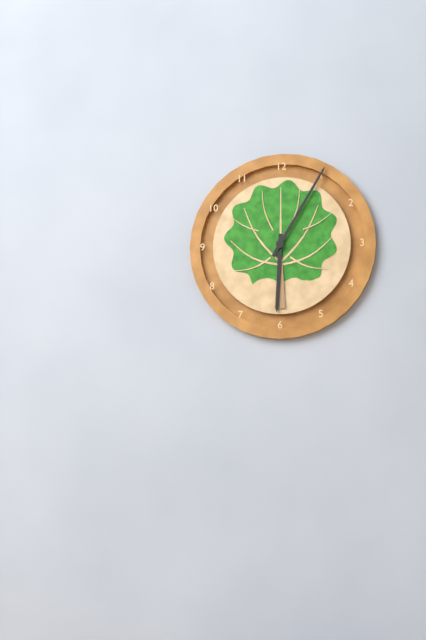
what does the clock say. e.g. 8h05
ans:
6h05
